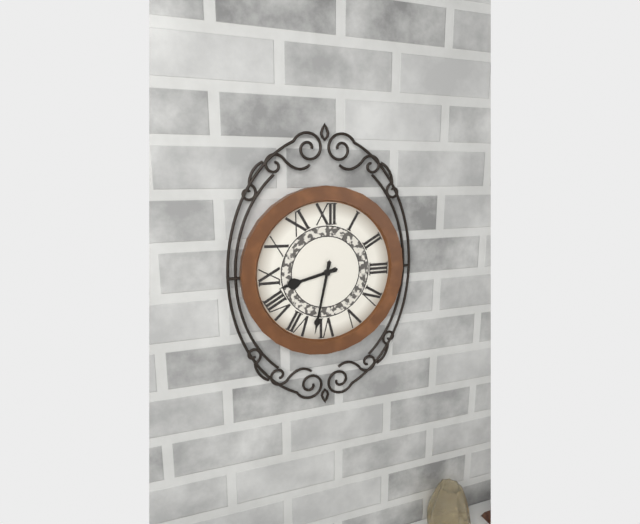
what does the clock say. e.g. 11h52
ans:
8h32
